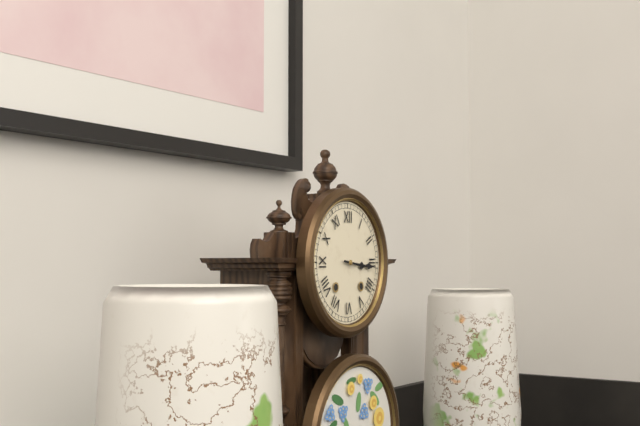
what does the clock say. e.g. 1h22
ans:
3h16
